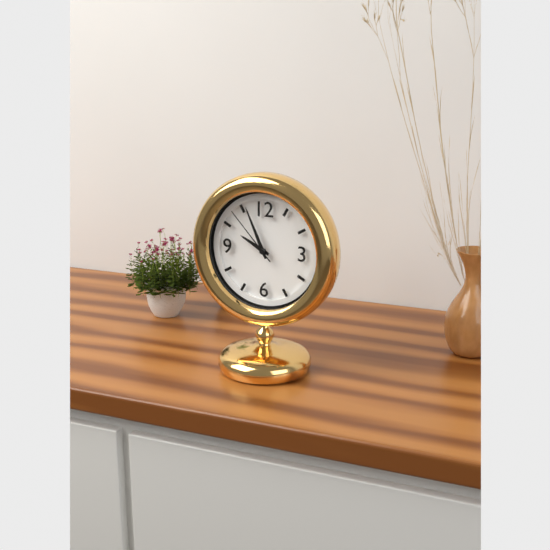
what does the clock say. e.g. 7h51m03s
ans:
9h56m53s
